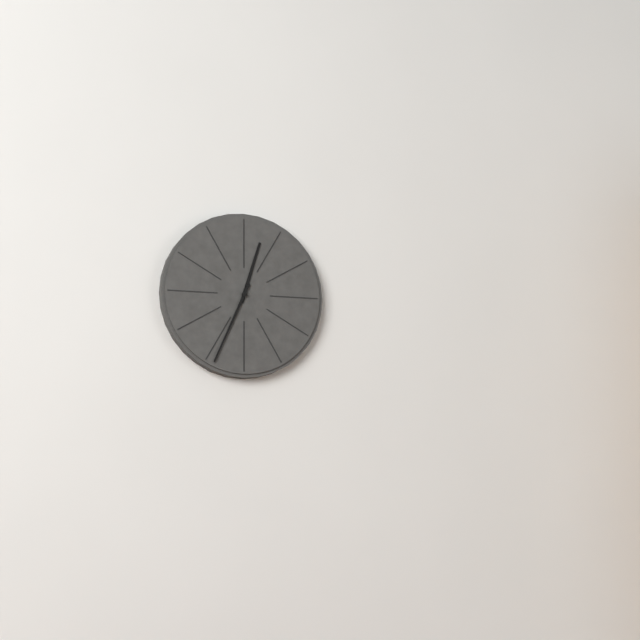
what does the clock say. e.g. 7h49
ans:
12h34
